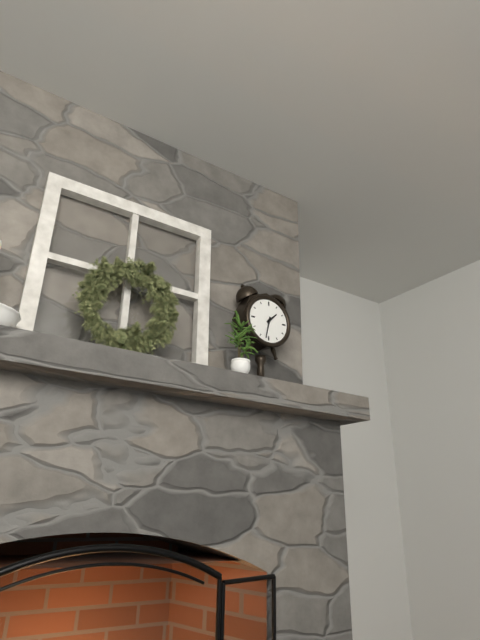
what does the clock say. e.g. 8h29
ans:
1h32
